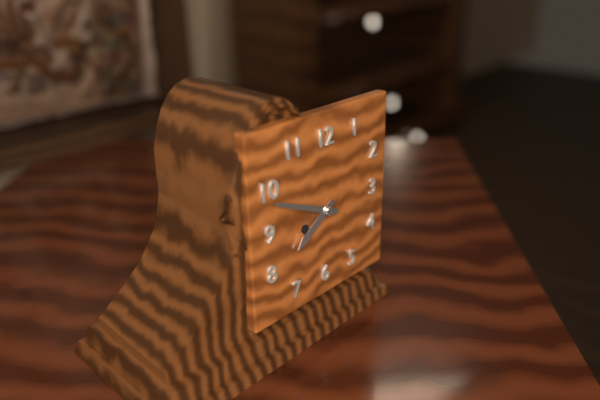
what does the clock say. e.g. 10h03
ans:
7h49
